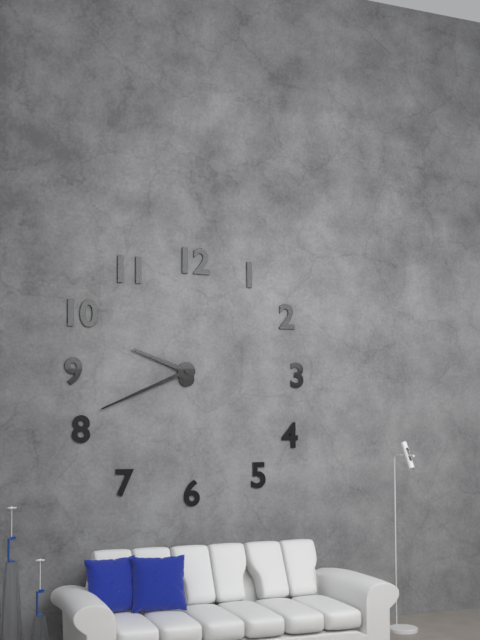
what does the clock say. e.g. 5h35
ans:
9h41
